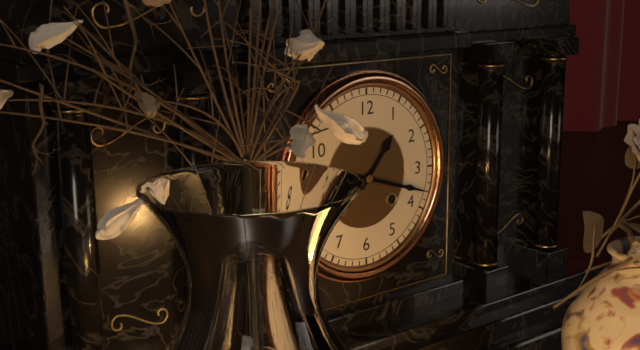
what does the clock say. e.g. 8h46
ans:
1h18
